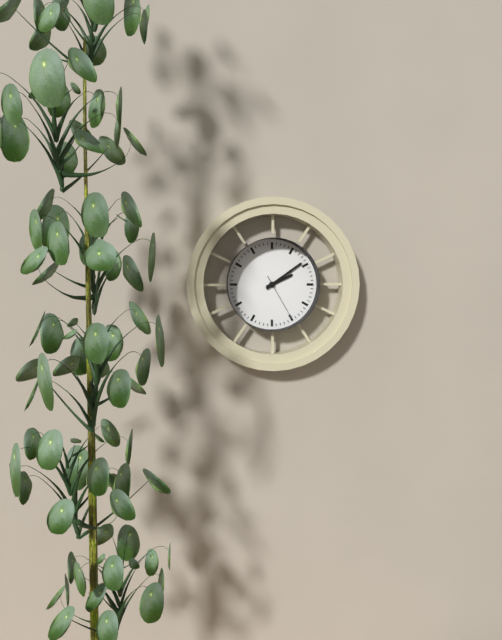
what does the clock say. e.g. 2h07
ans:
2h09
